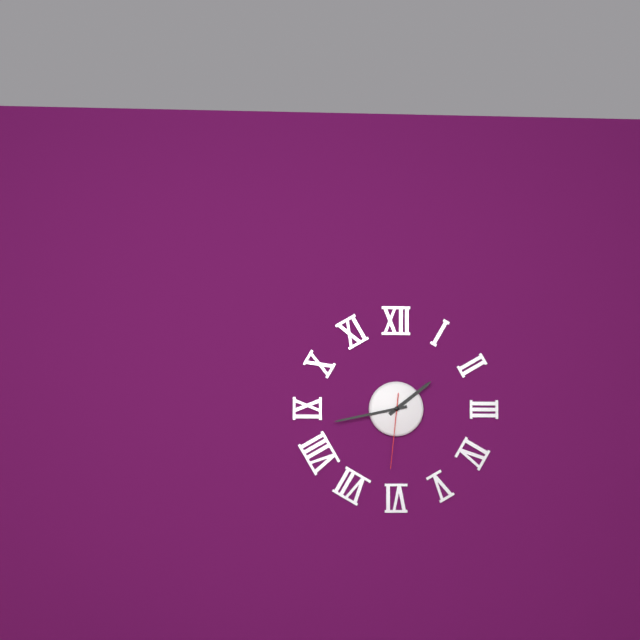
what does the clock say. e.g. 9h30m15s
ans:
1h43m31s
